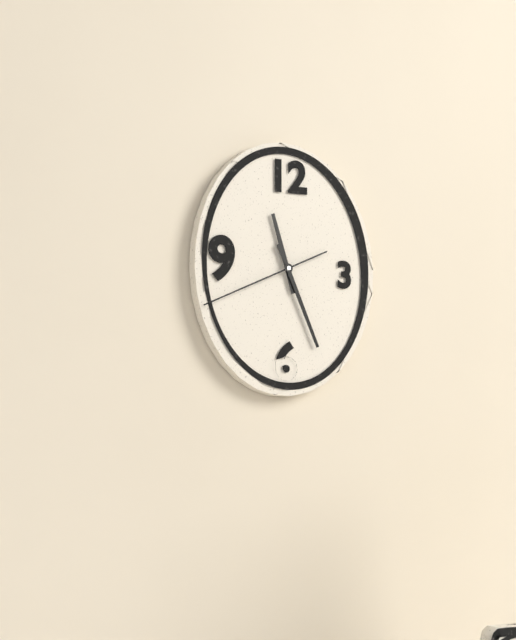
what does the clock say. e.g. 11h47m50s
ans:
11h26m41s
